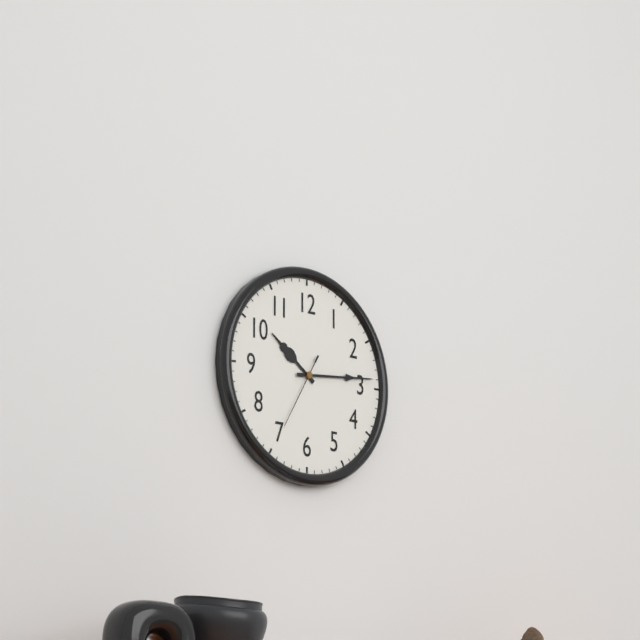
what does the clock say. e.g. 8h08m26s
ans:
10h14m35s
